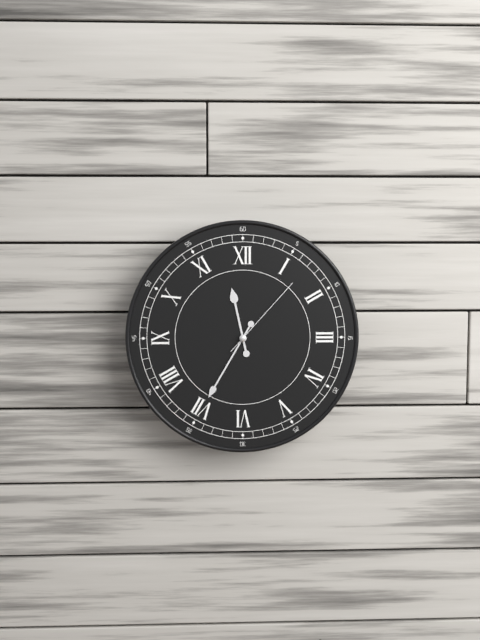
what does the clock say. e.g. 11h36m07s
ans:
11h35m07s
